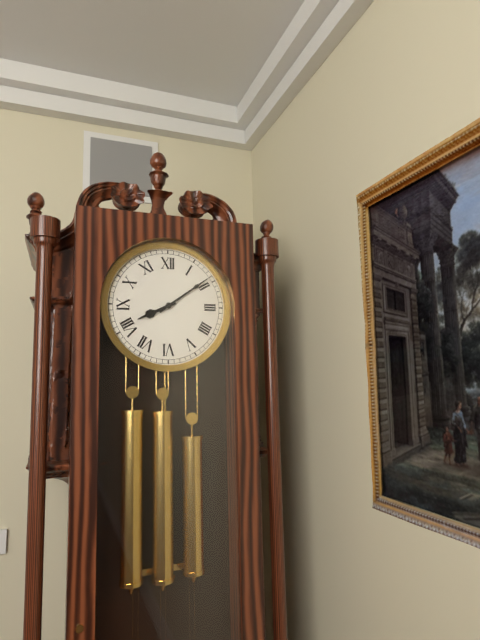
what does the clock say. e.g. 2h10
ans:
8h09
